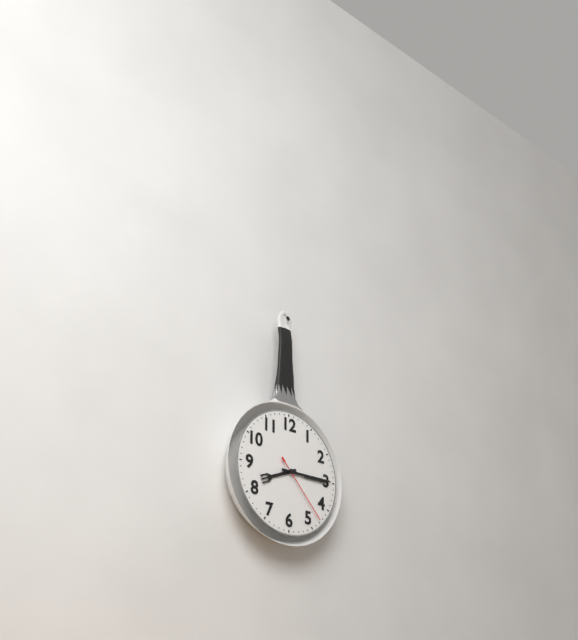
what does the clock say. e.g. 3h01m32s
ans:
8h15m23s
